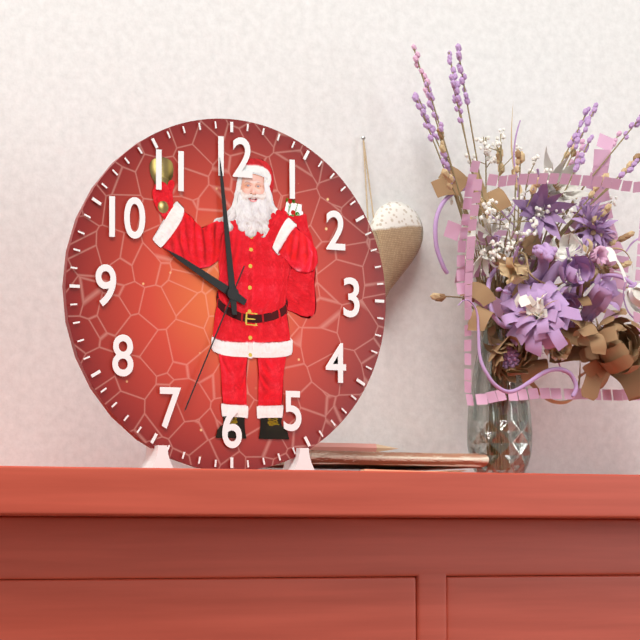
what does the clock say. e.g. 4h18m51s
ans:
9h59m34s
